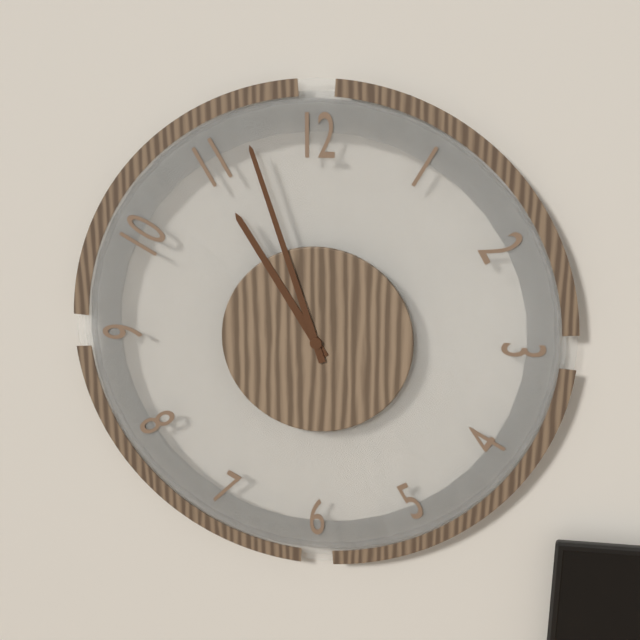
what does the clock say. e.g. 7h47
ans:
10h57
